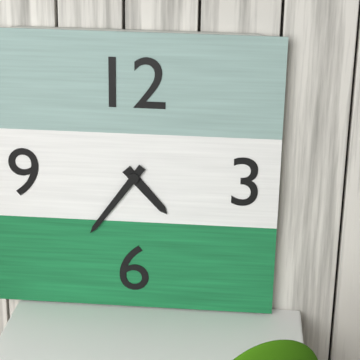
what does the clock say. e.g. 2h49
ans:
4h36
